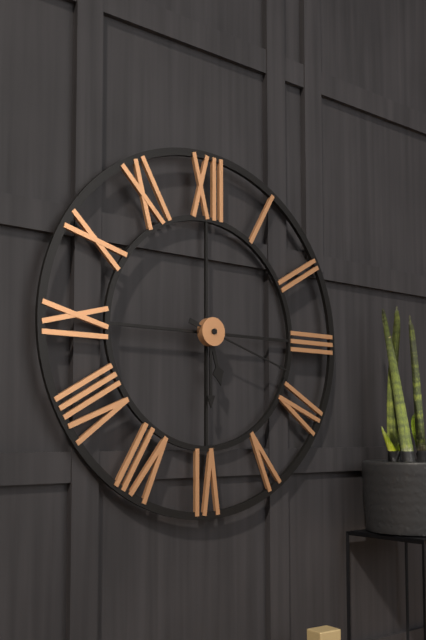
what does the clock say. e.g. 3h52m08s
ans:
5h30m18s
